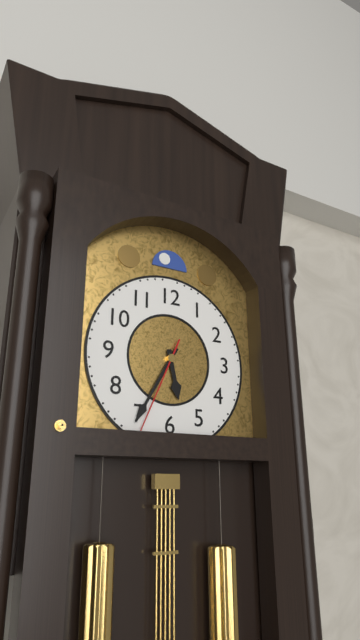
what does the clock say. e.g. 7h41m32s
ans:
5h35m34s
